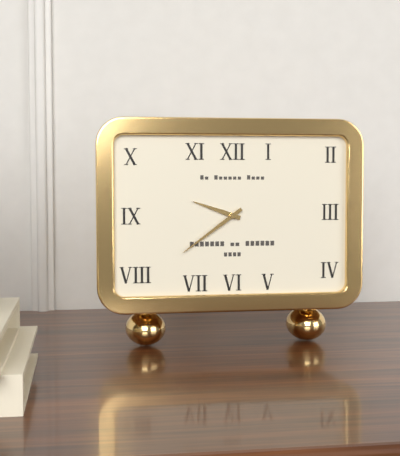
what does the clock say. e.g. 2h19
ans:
9h39
